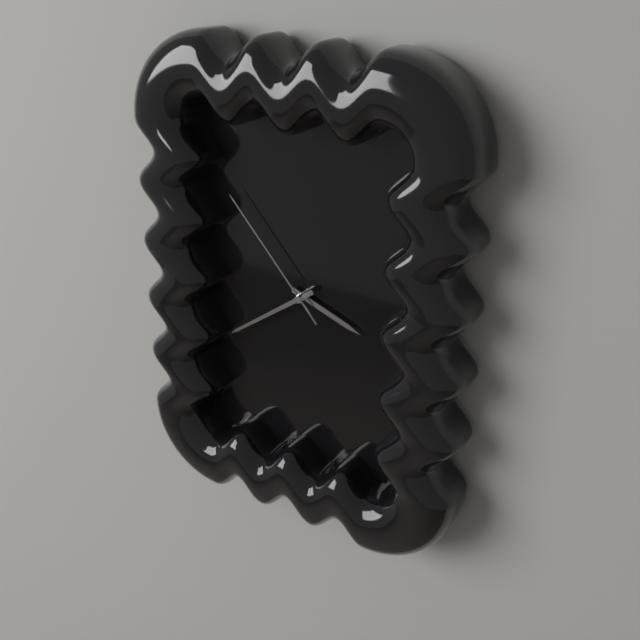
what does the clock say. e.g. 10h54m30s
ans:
3h39m53s
